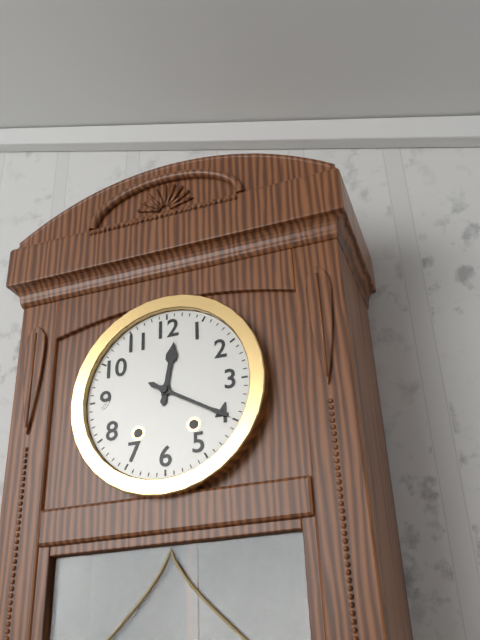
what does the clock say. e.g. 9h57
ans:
12h20
